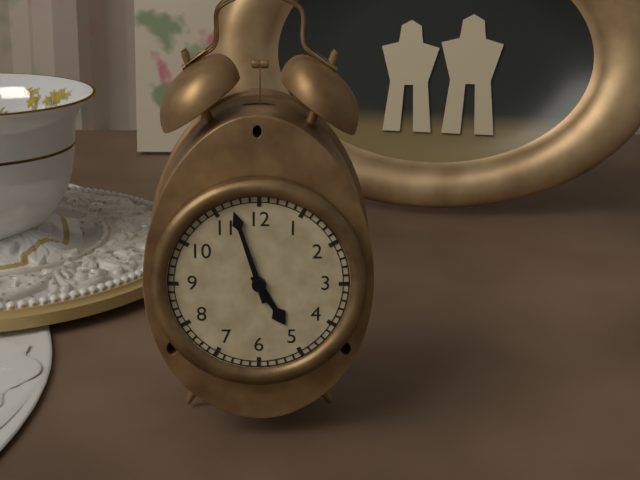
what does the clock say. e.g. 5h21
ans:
4h57
